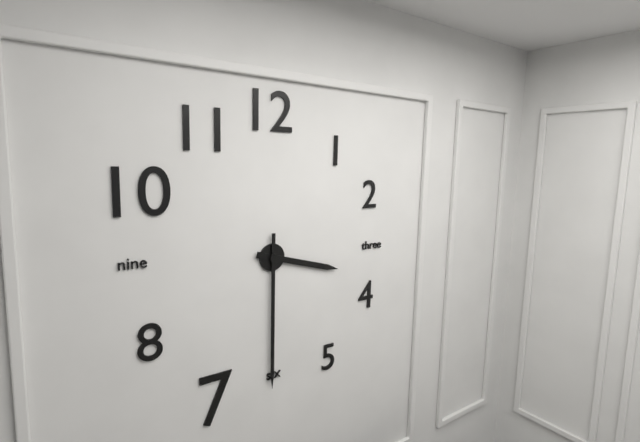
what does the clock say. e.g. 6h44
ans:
3h30
